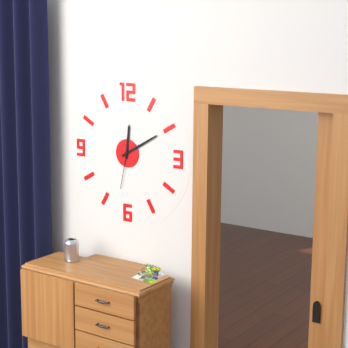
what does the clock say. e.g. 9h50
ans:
12h10
